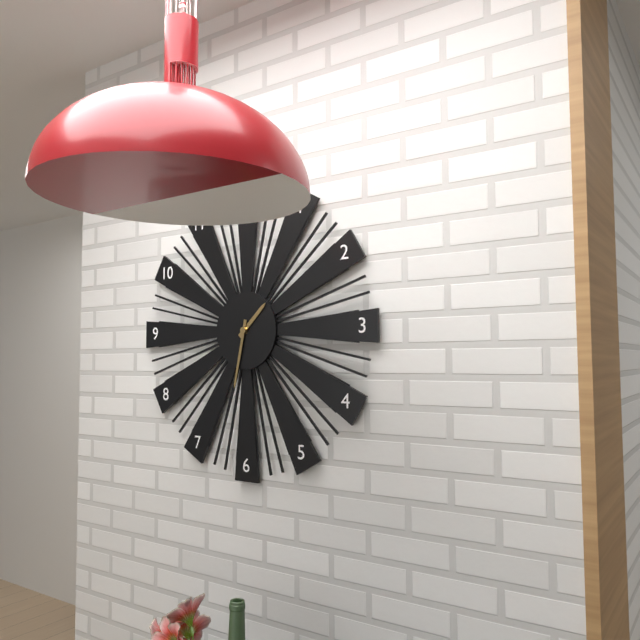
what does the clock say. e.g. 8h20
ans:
1h32
